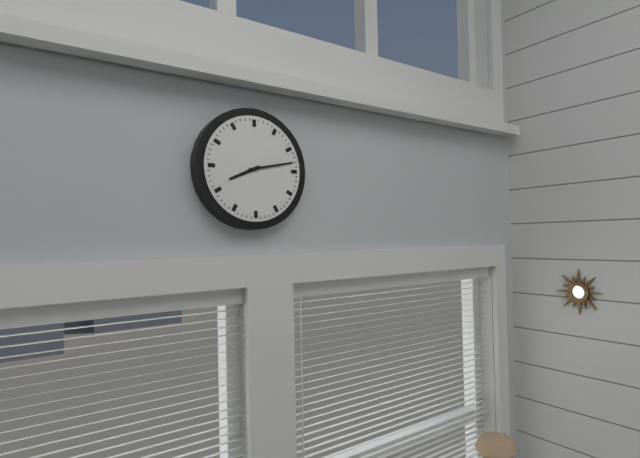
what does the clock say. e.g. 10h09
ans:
8h13
